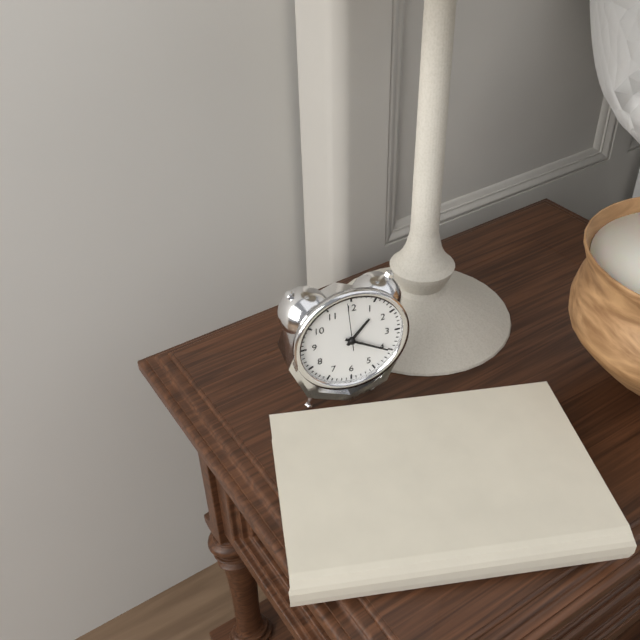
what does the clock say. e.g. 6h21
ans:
1h20
